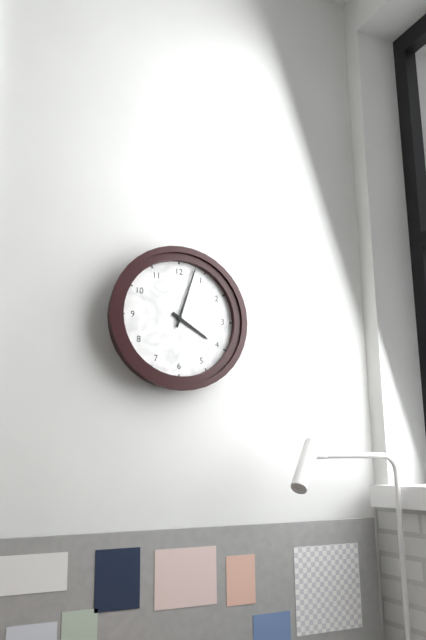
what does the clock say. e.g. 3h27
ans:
4h03
